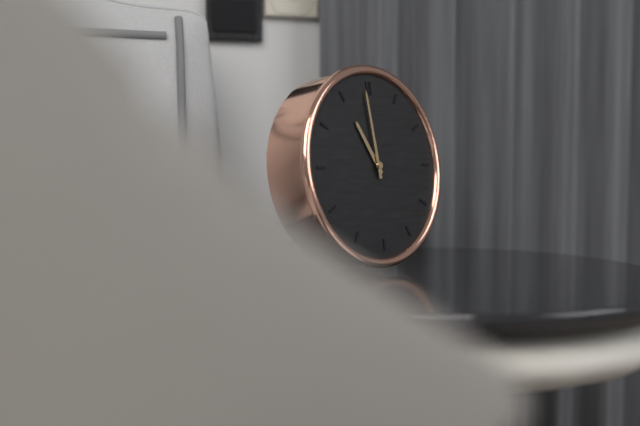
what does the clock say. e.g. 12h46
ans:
10h59
